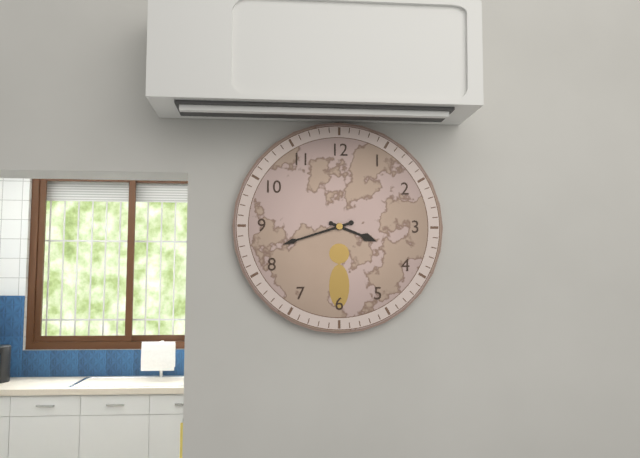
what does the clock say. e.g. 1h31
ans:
3h42
